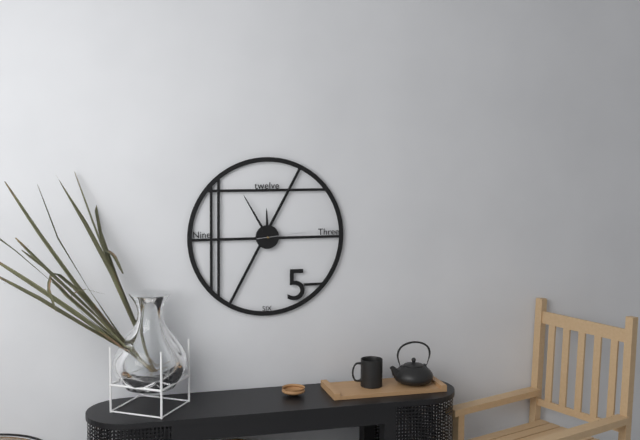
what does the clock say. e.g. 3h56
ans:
11h55
